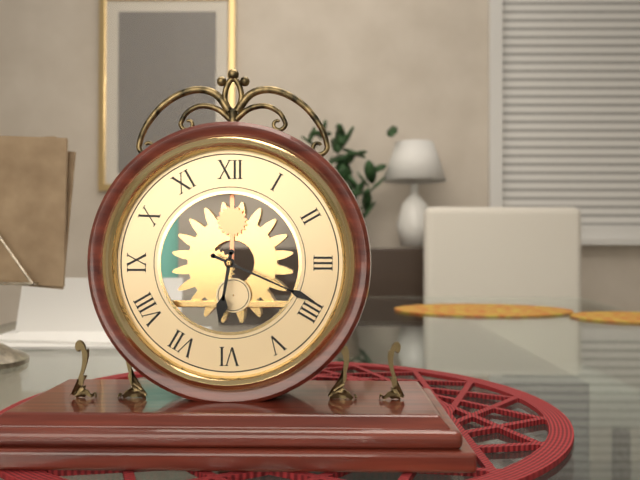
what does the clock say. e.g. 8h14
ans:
6h19
